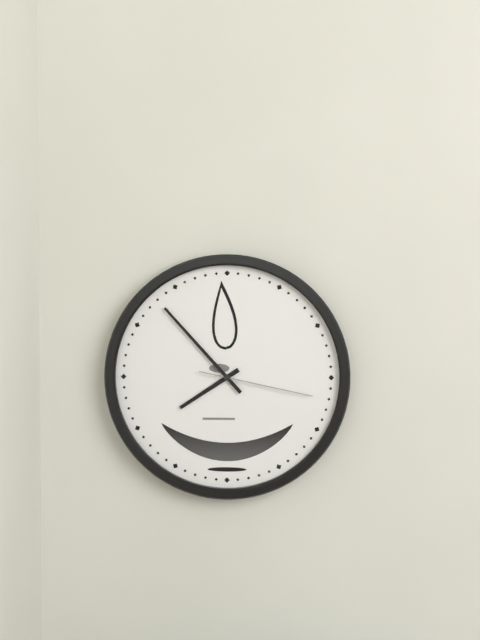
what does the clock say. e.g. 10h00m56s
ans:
7h53m17s
